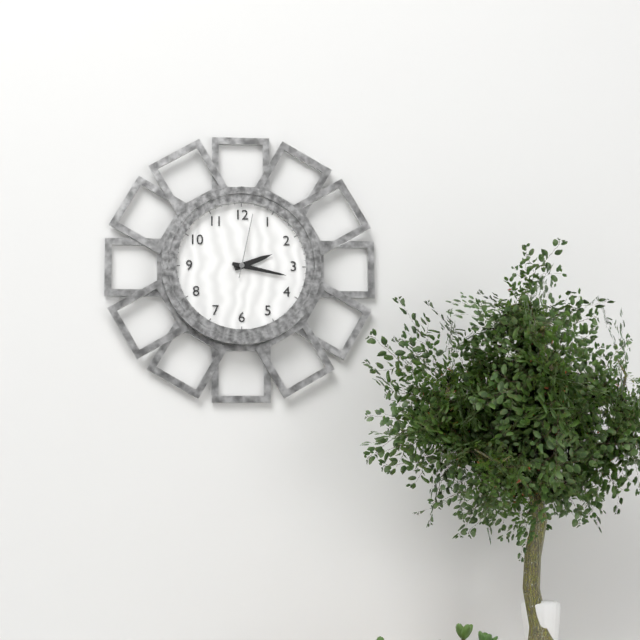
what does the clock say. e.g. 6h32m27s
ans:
2h17m02s
